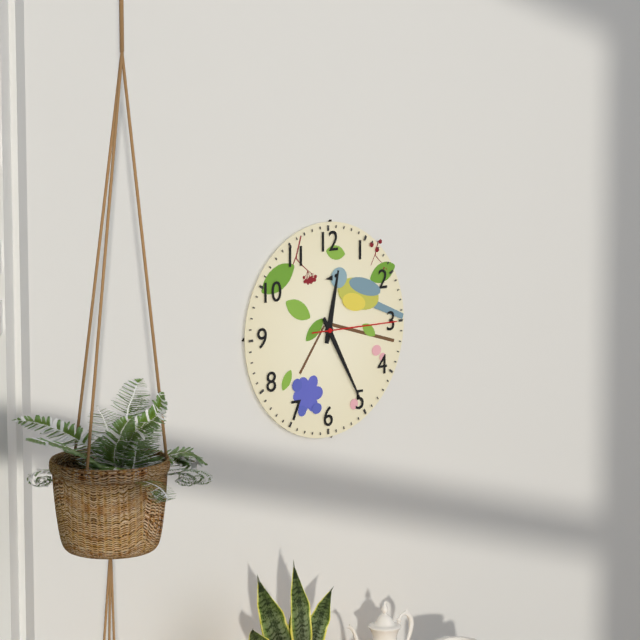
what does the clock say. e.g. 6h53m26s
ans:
12h25m15s
